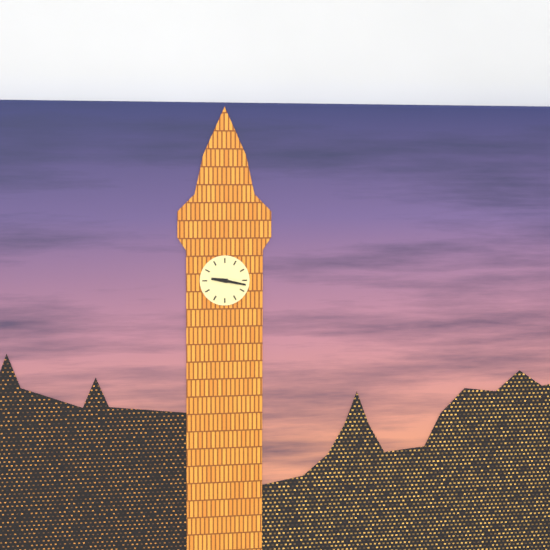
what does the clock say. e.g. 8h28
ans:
9h17
